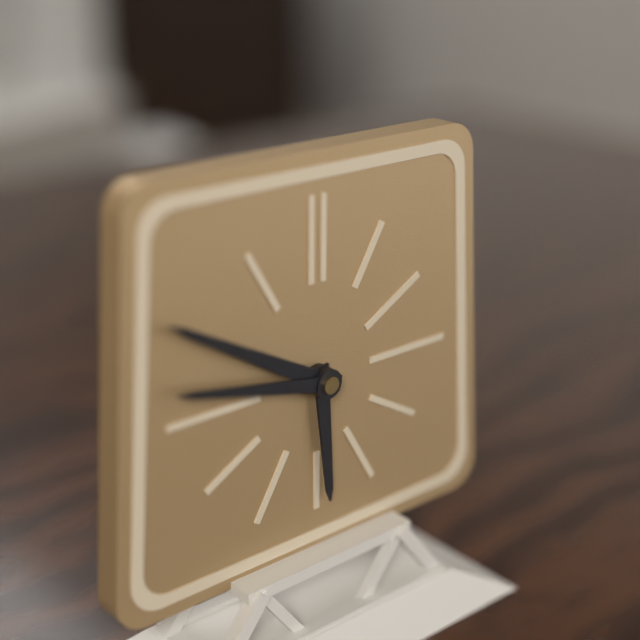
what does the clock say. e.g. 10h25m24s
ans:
5h50m47s
